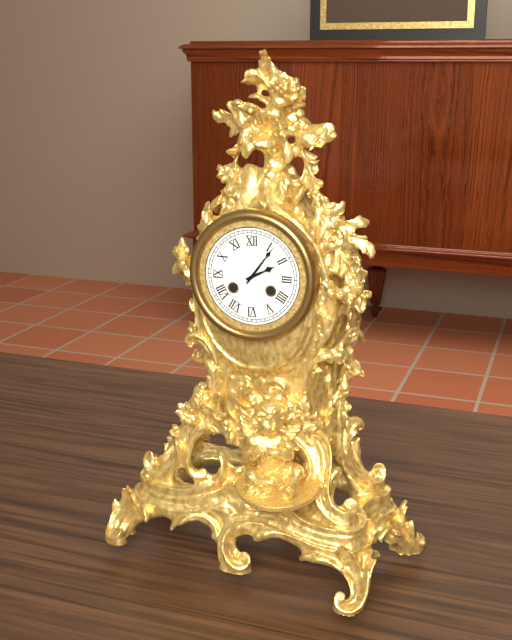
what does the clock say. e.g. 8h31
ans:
2h06
